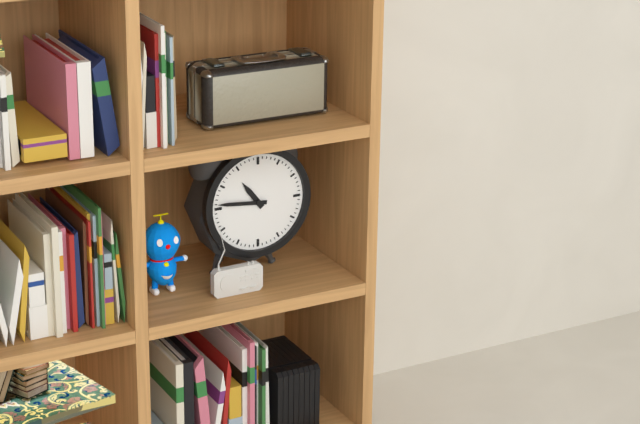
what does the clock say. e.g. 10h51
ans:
10h46
